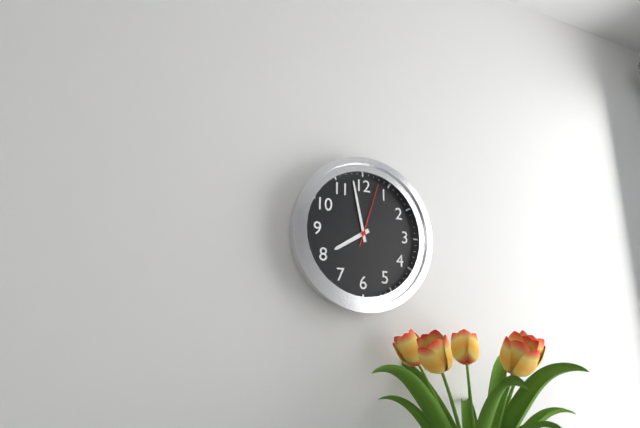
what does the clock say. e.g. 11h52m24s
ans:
7h58m03s
